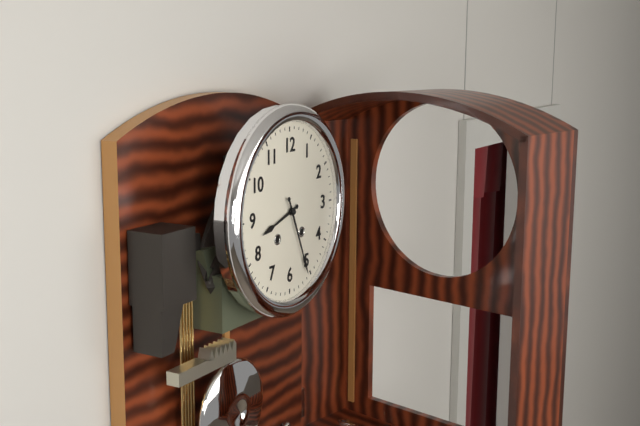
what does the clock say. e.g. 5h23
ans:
8h26
